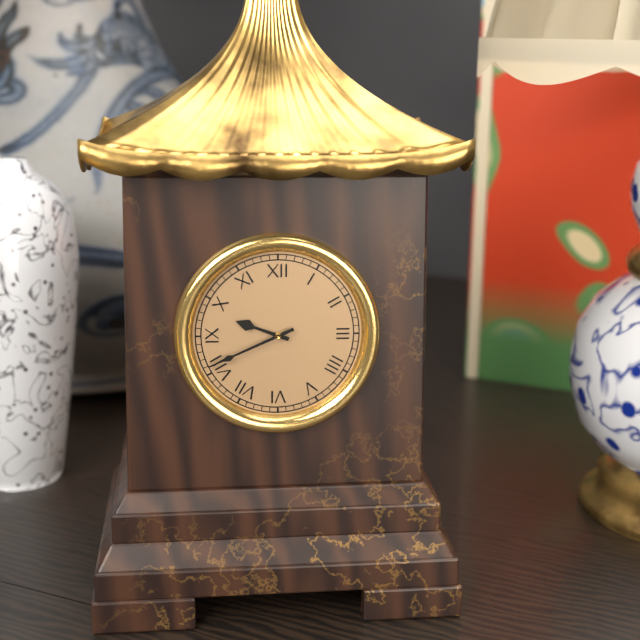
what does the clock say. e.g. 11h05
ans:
9h41
